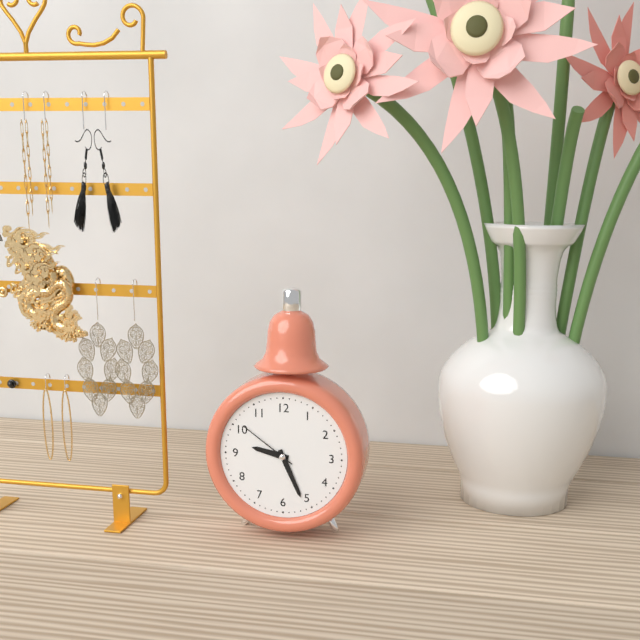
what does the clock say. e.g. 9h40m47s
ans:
9h26m51s
